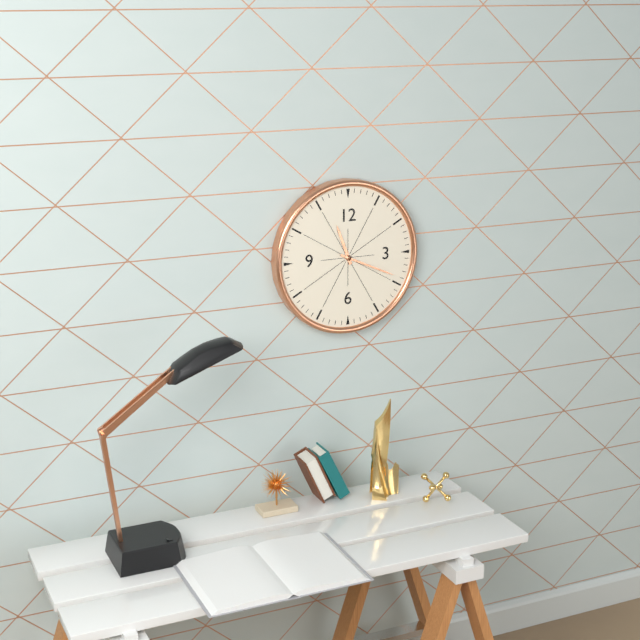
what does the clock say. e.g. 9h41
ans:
11h19
